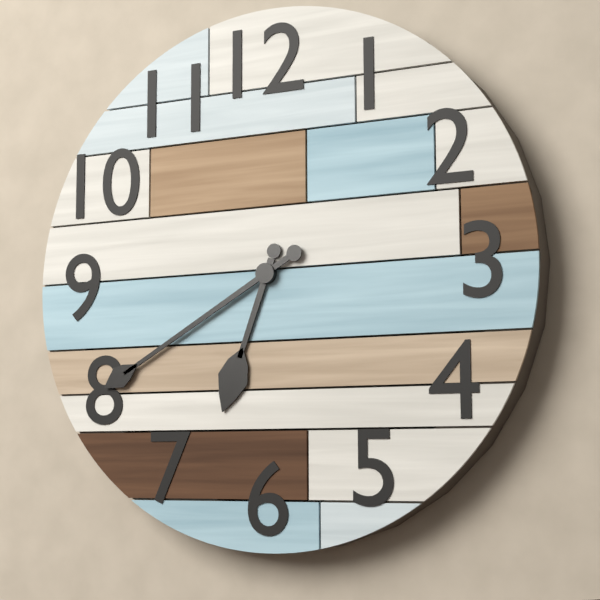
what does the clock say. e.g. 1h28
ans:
6h40
